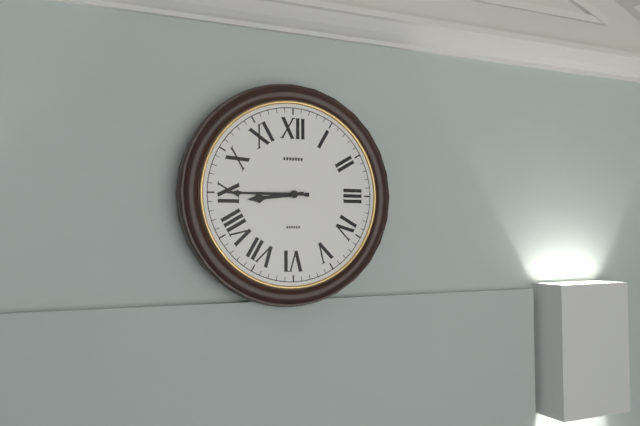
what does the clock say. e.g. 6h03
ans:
8h45
